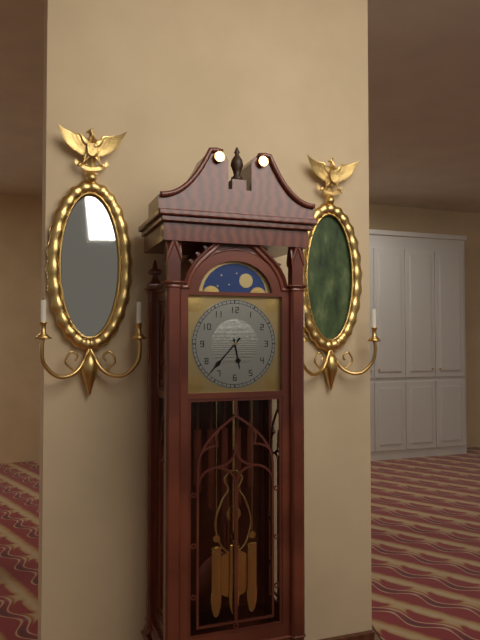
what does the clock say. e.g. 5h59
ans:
5h37
